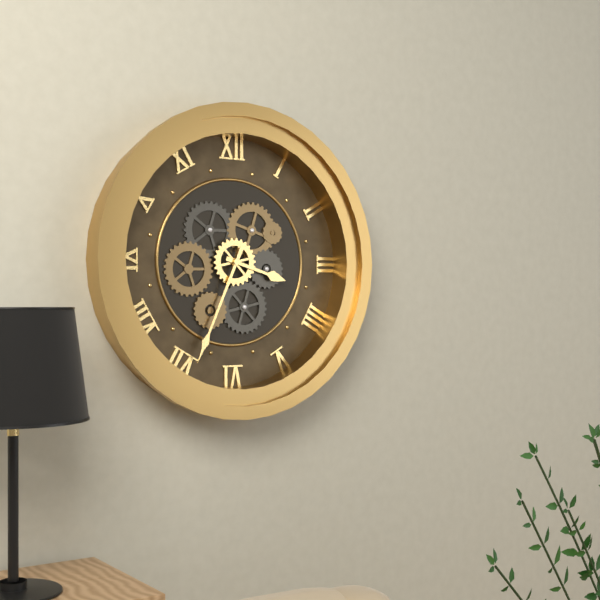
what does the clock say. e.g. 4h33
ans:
3h34
